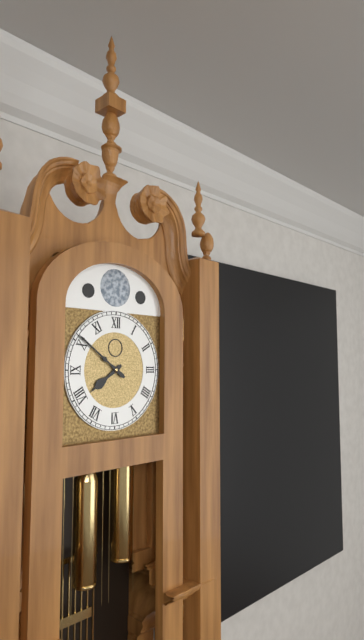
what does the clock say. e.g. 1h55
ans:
7h51
